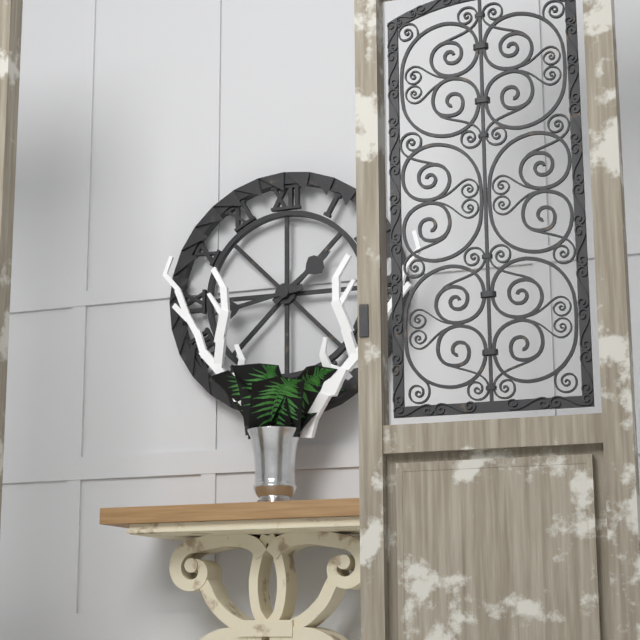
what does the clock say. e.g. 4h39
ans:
1h43
